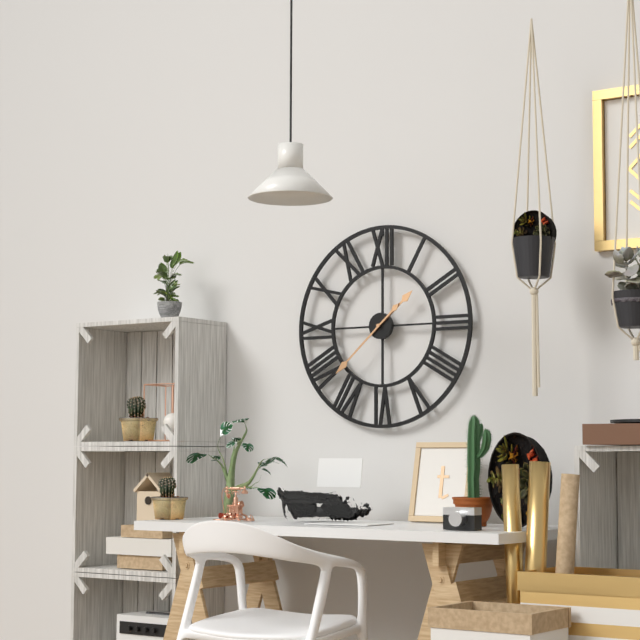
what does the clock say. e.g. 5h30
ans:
1h38
